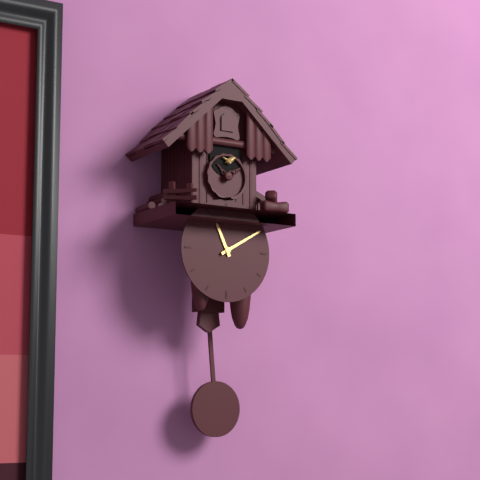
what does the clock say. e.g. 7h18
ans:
11h10
